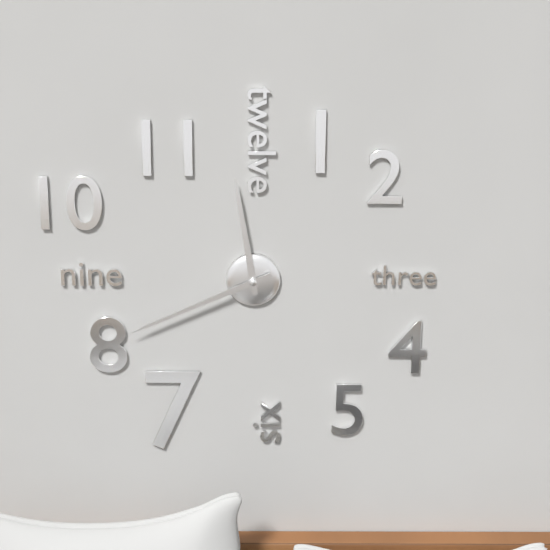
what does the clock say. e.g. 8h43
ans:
11h41
